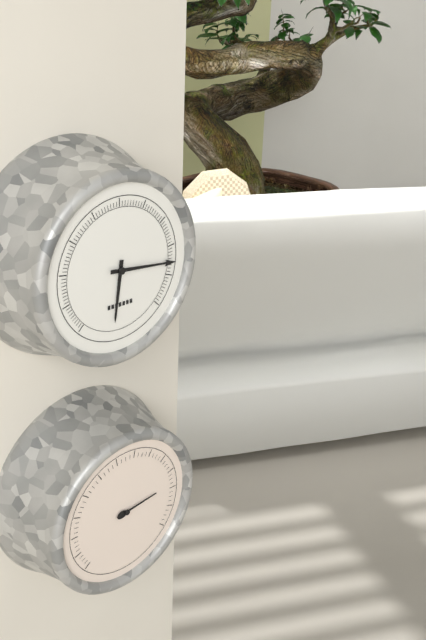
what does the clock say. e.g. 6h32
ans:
6h16
